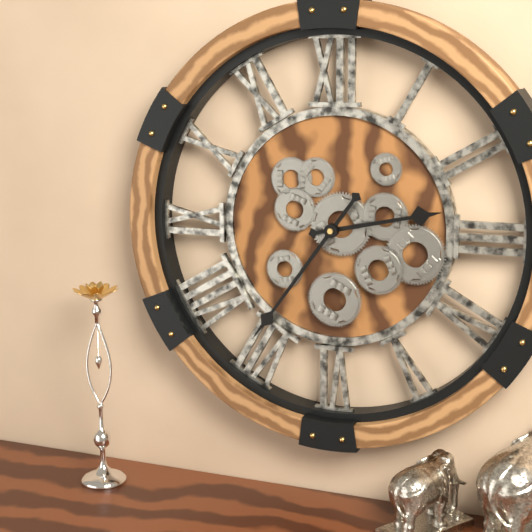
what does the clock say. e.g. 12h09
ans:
2h36
